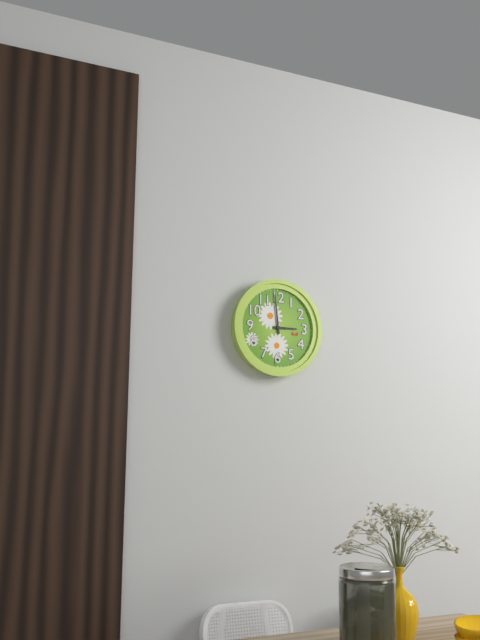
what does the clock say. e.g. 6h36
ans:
2h59
